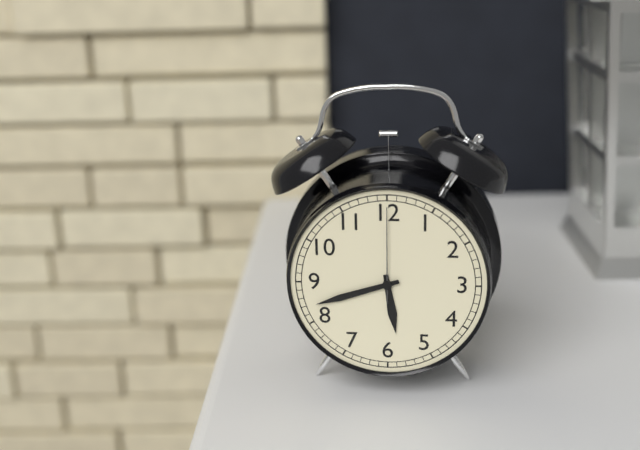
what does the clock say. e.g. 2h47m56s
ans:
5h42m00s
